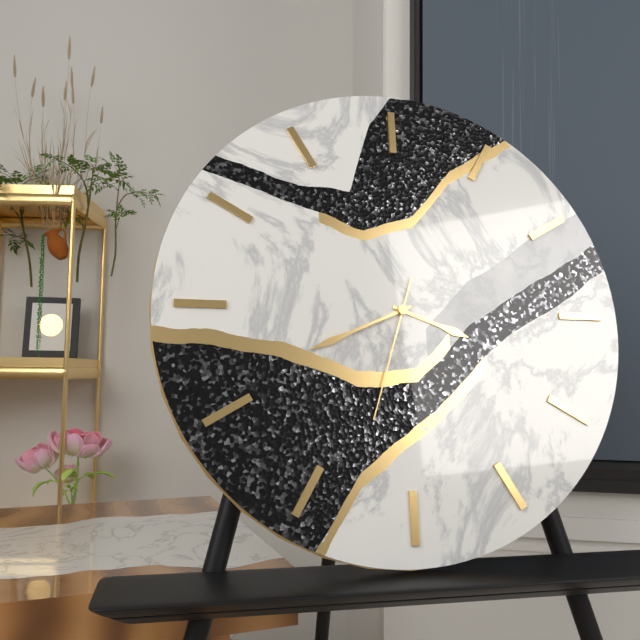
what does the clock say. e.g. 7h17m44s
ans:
3h41m33s
